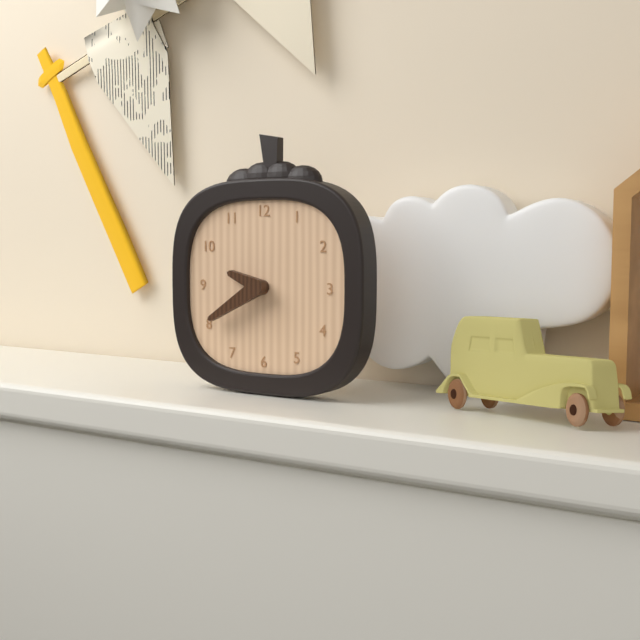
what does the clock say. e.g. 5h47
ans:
9h40
